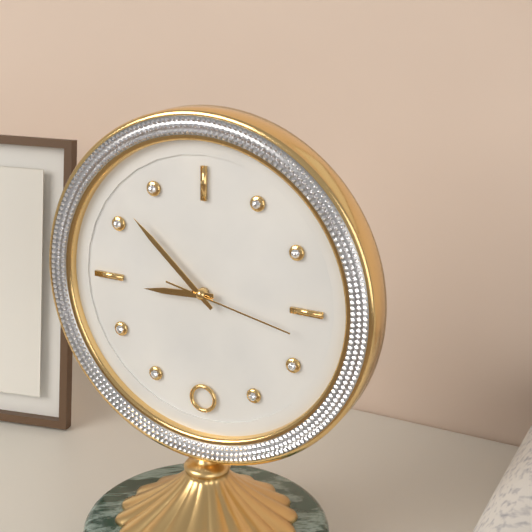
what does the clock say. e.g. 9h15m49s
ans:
8h52m17s
